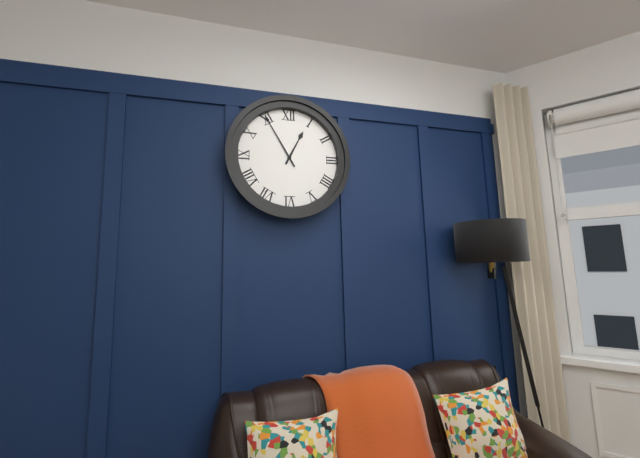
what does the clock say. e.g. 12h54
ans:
12h55
